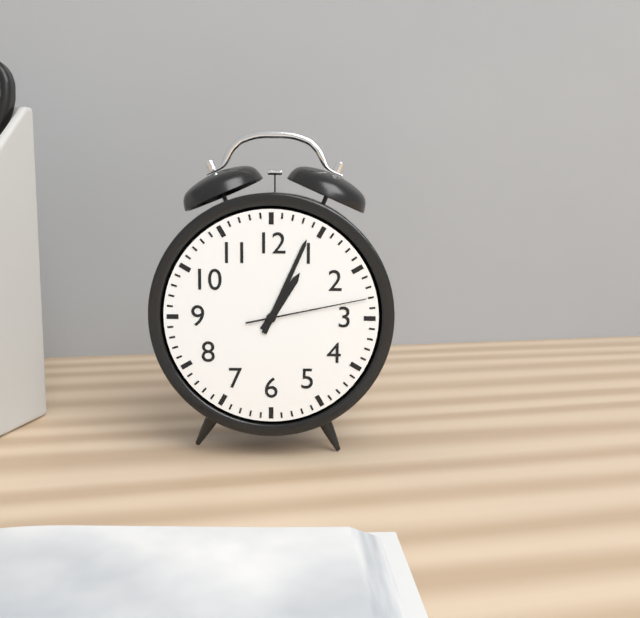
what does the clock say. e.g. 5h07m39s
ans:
1h04m13s
